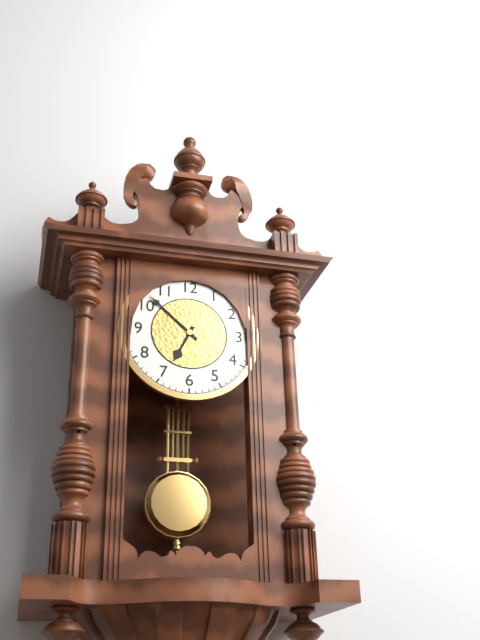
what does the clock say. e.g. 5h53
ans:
6h52
